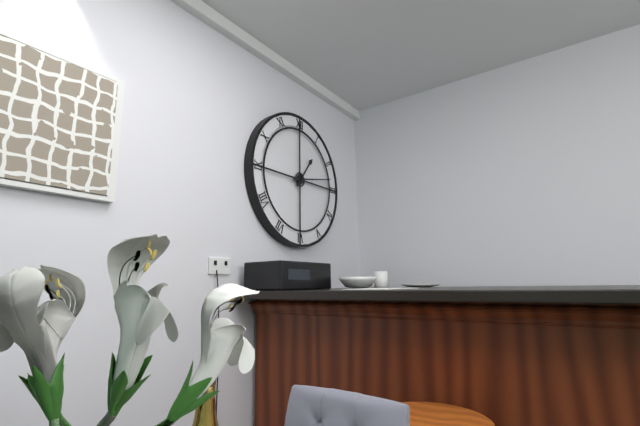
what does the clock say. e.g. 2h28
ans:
1h13
